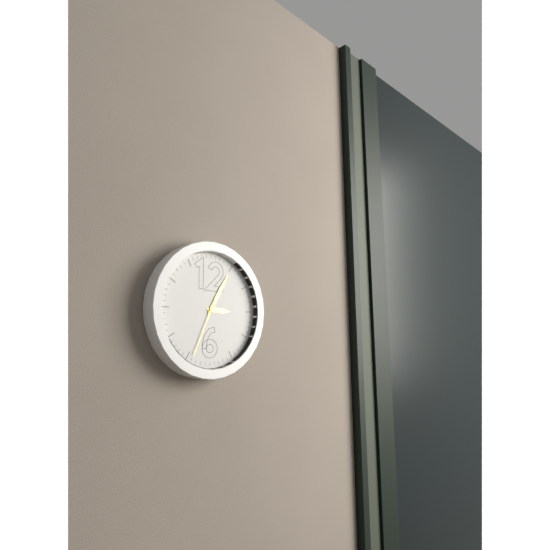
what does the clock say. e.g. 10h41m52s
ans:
3h05m34s
